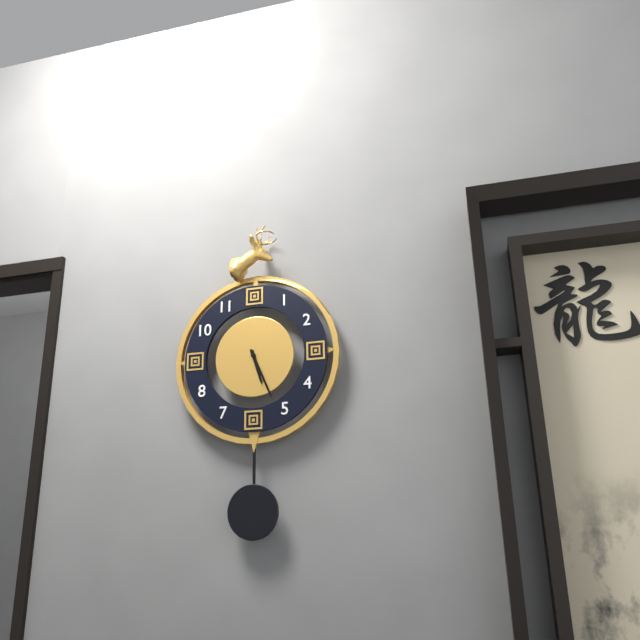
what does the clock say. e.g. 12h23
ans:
5h26
